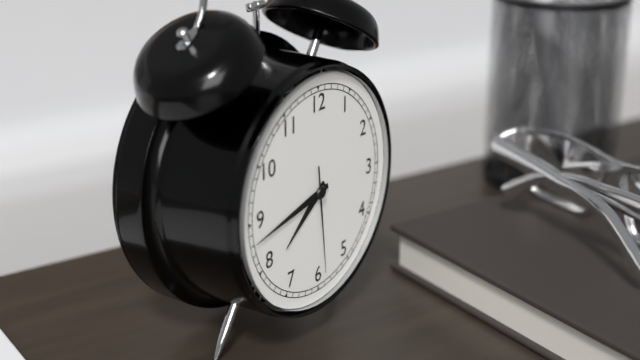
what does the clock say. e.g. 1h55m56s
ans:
7h43m29s
